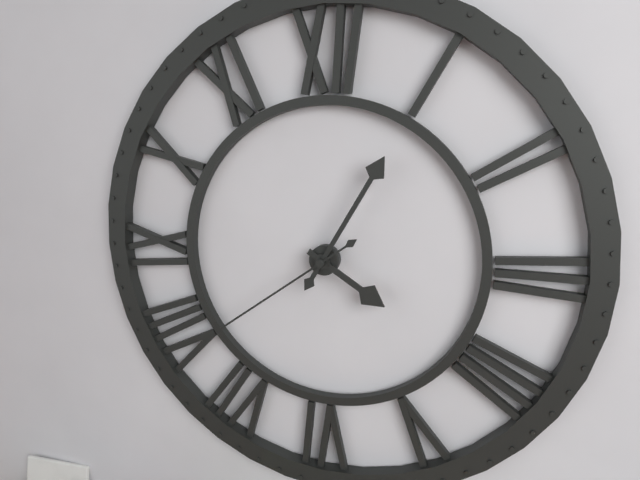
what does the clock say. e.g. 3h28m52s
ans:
4h05m39s
